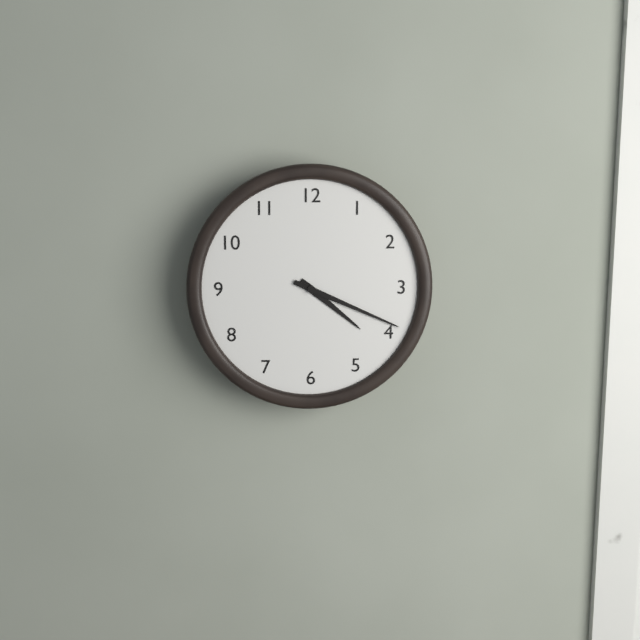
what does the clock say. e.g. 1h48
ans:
4h19
